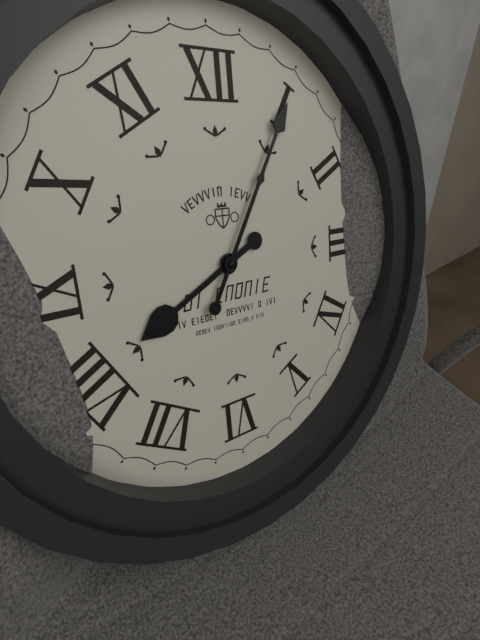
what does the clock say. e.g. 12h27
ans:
8h05
